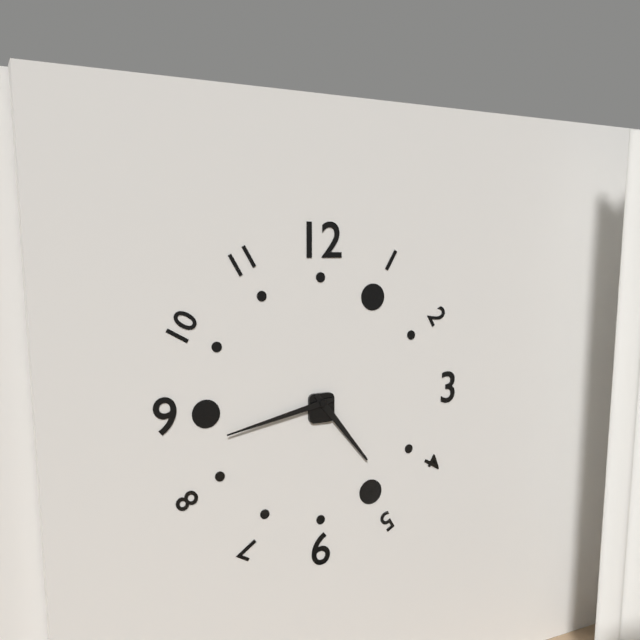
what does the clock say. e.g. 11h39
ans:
4h43
